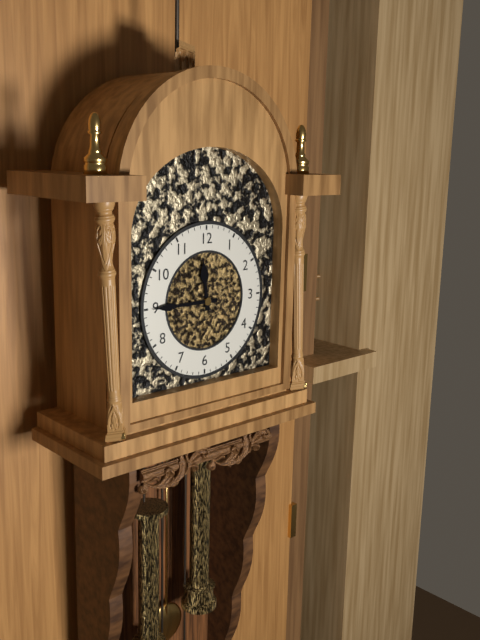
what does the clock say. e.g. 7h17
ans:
11h45
